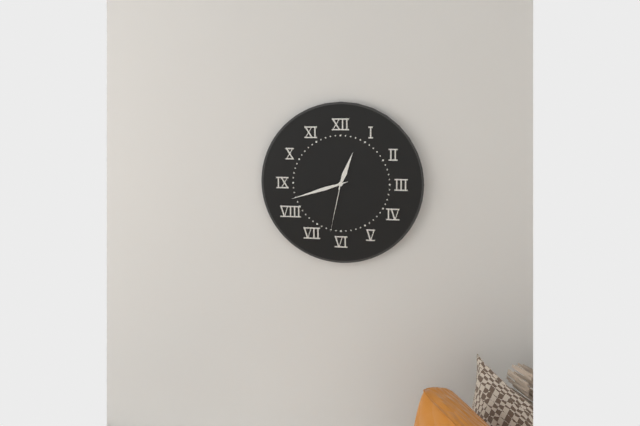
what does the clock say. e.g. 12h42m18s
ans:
12h42m32s
